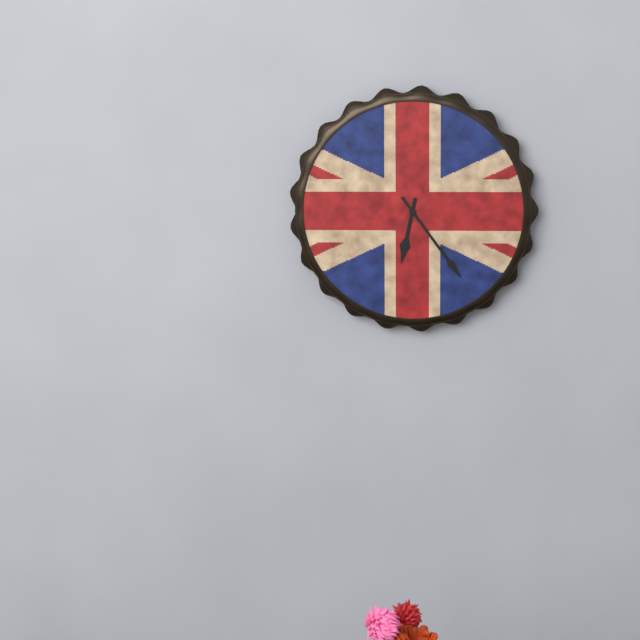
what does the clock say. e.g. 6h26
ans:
6h24
